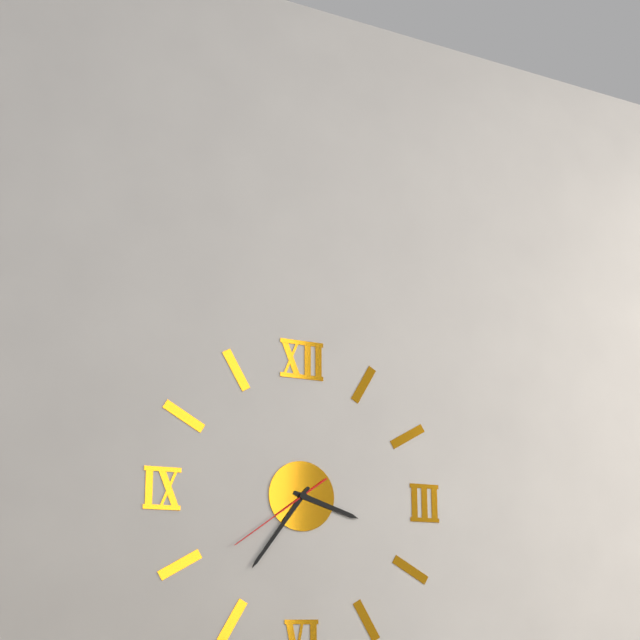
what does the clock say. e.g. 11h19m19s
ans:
3h36m39s
